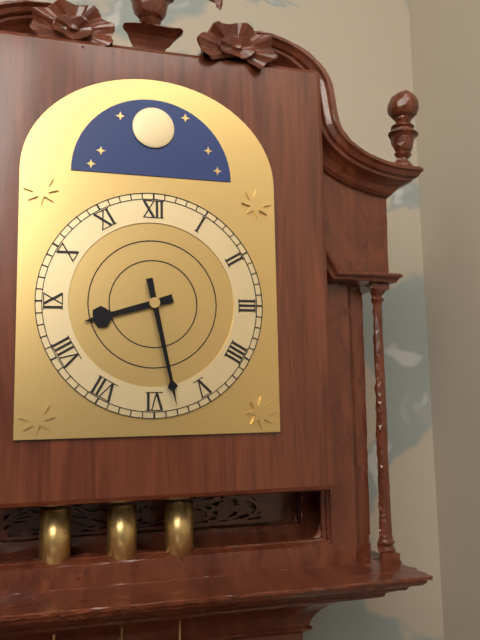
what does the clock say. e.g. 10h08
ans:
8h28
